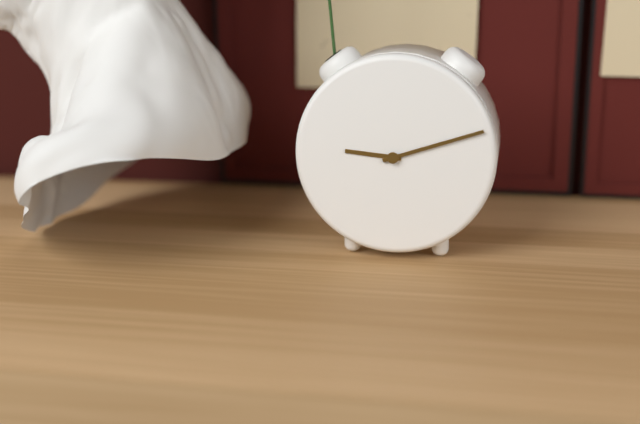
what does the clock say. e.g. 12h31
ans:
9h12
